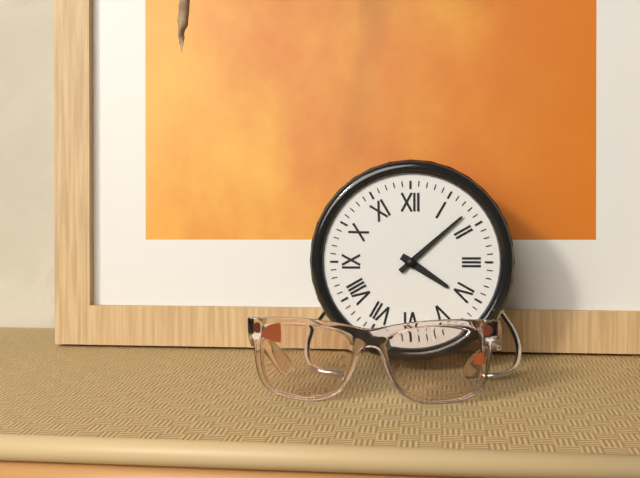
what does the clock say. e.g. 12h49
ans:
4h08
